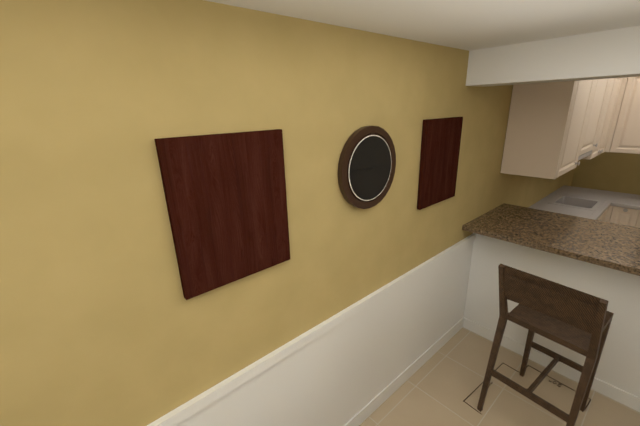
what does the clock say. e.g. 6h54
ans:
2h46
